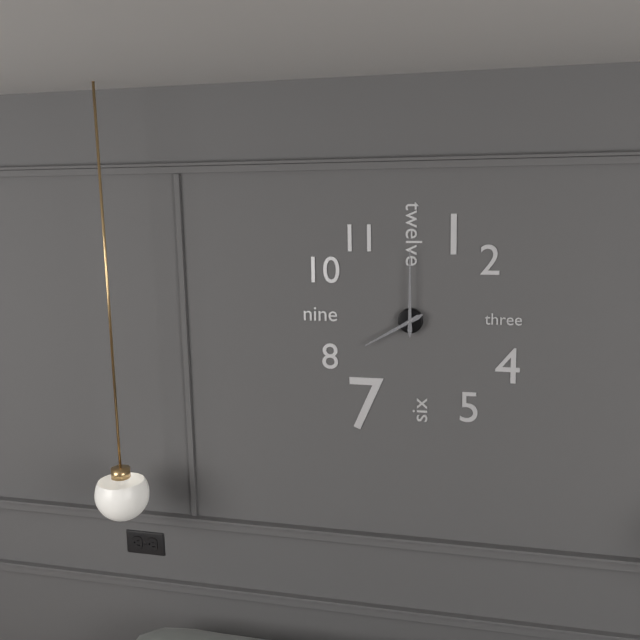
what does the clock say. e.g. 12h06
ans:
8h00
